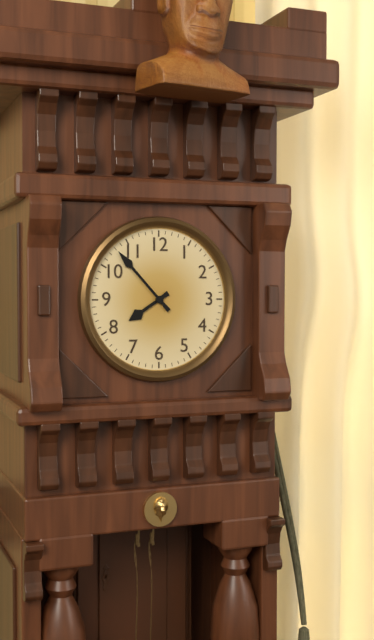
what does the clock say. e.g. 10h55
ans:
7h53
